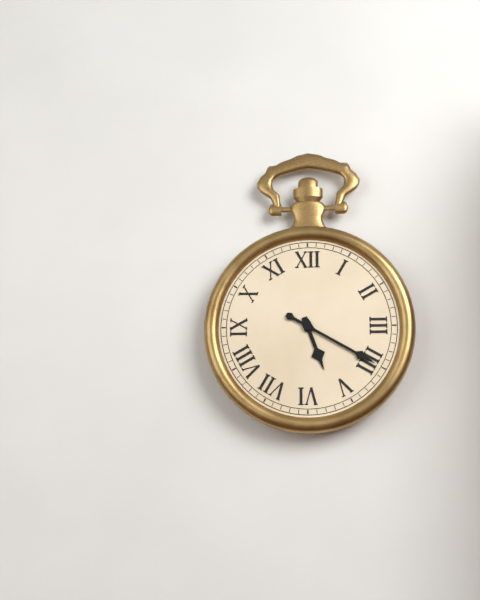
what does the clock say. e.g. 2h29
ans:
5h20
